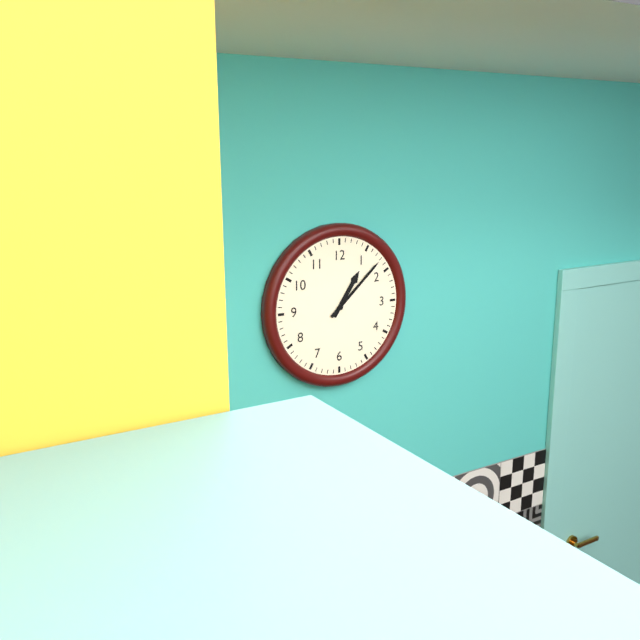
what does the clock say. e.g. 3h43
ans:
1h08
